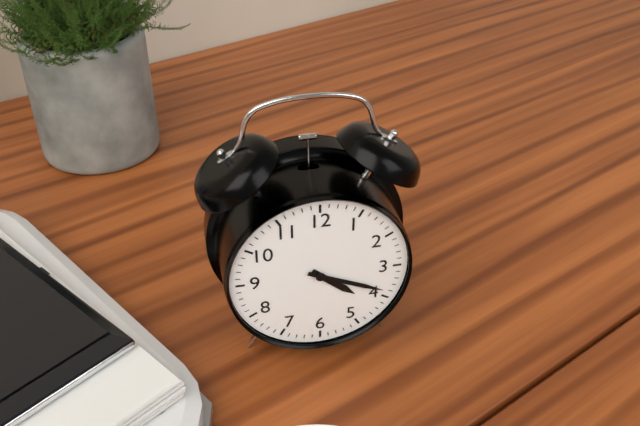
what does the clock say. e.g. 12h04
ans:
4h19
